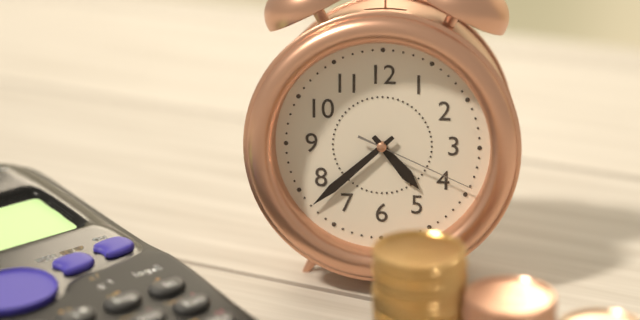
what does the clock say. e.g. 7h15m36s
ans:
4h38m19s
